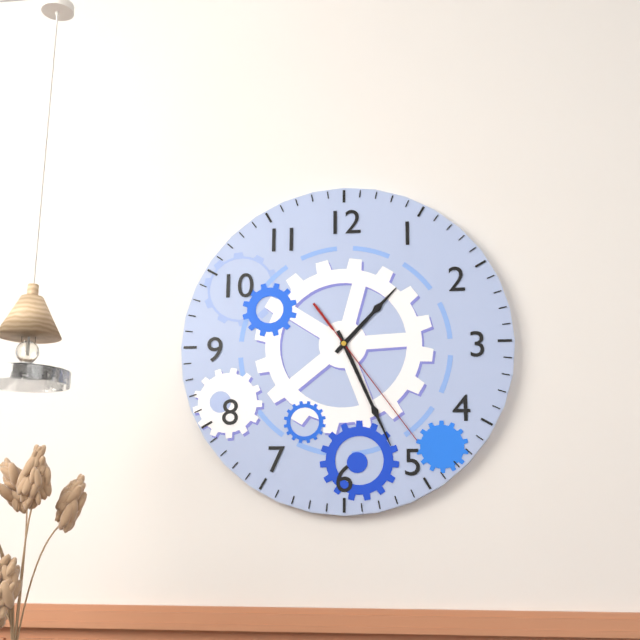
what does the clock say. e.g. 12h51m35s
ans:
1h26m24s
